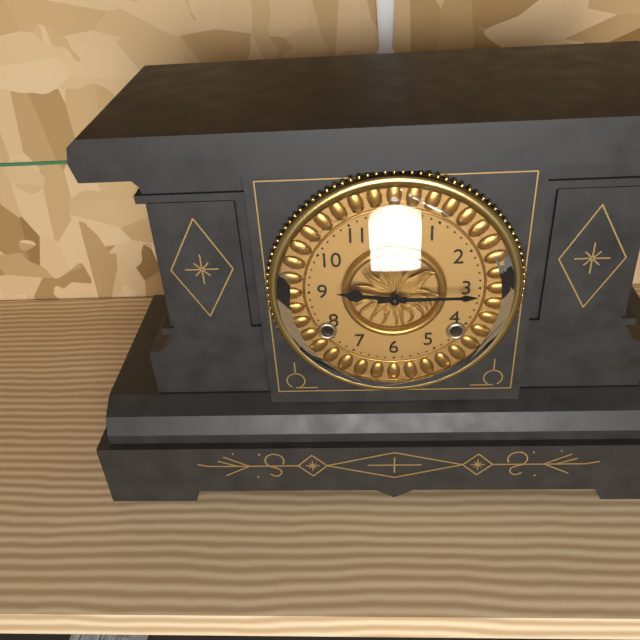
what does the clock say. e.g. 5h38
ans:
9h15
